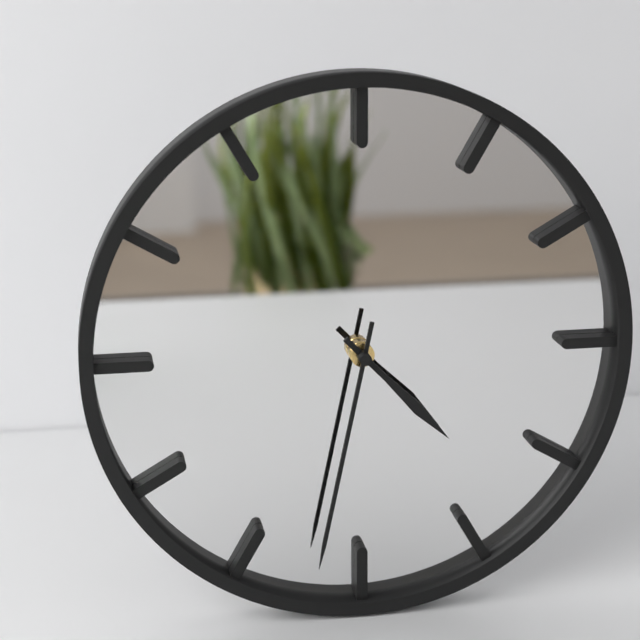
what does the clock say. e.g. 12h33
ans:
4h32
